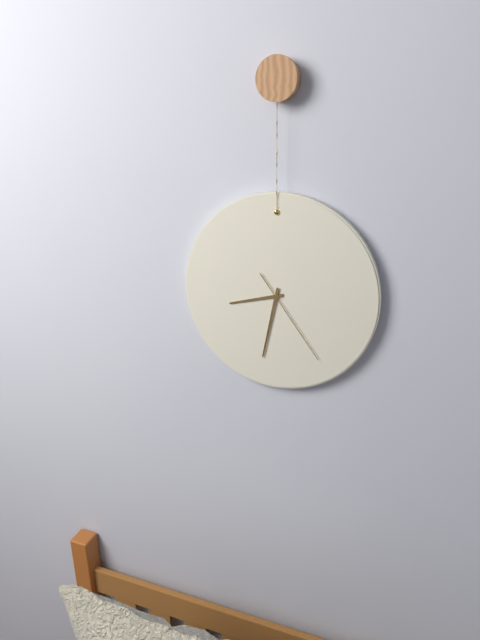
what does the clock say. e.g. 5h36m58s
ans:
8h32m24s
